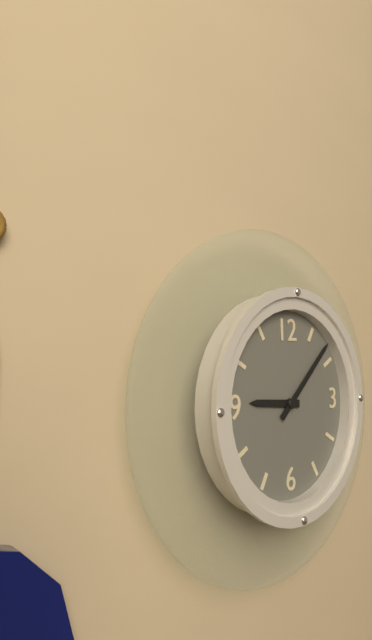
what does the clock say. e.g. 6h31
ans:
9h08
